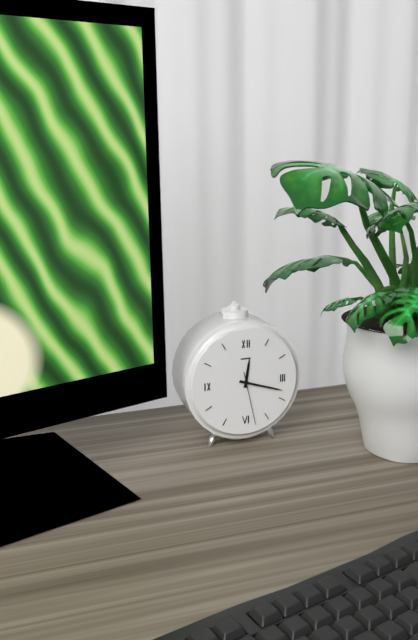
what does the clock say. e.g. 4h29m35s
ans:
12h18m28s
